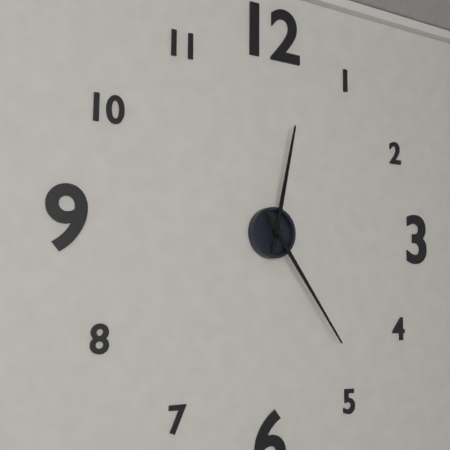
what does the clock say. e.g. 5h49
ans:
12h24
